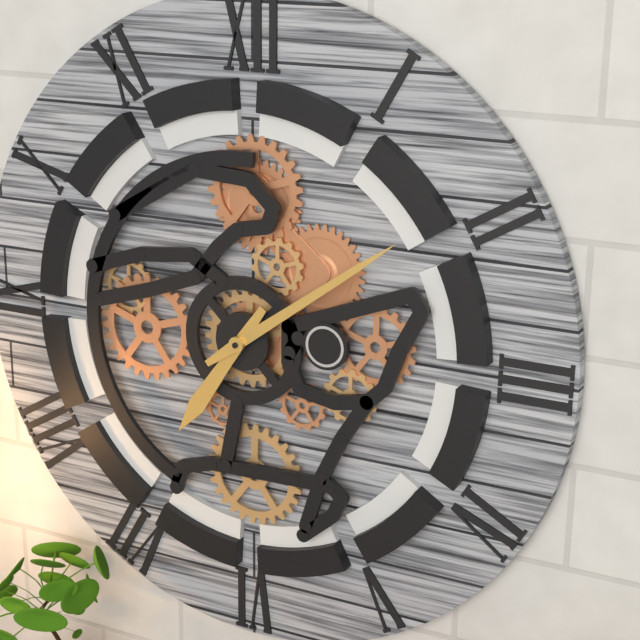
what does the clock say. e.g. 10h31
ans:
7h09
